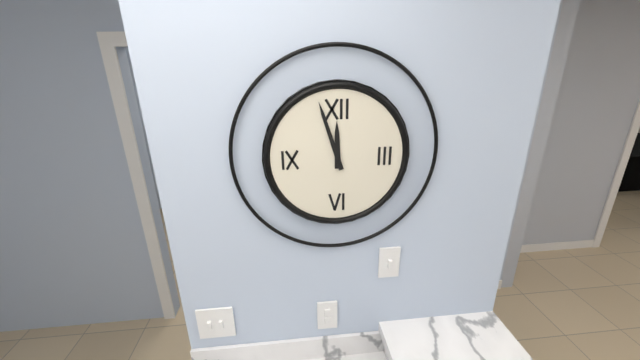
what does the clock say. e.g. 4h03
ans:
11h57
